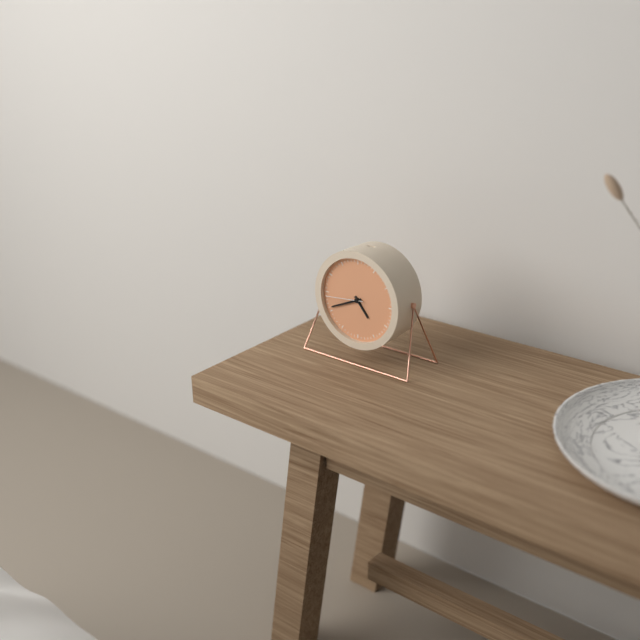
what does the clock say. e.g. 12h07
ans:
4h41
